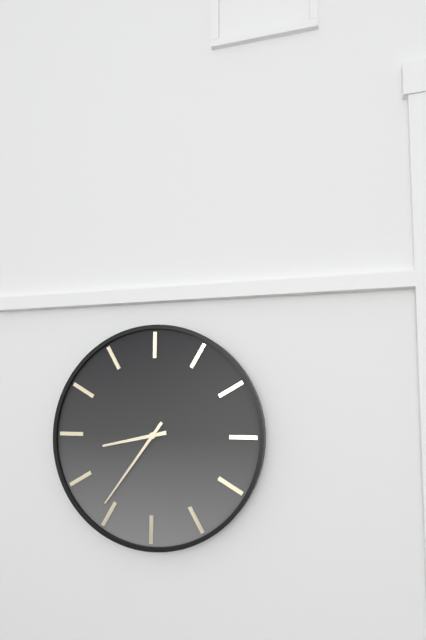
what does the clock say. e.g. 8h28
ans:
8h36
